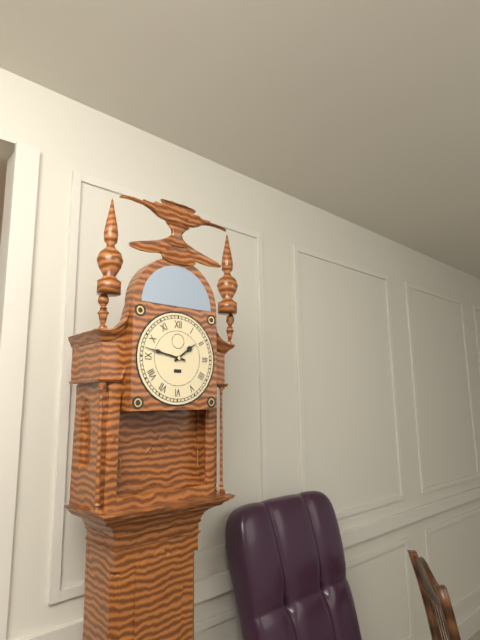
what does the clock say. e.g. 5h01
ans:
1h47
